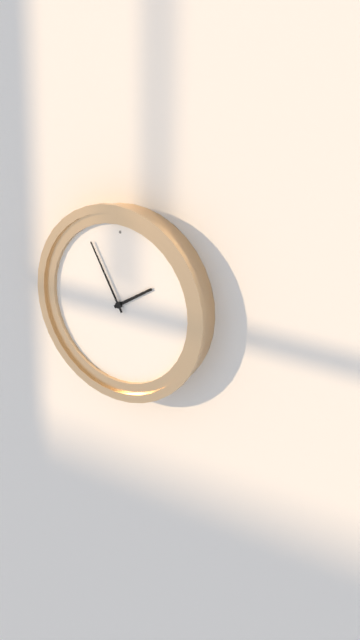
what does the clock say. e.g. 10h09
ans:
1h55
